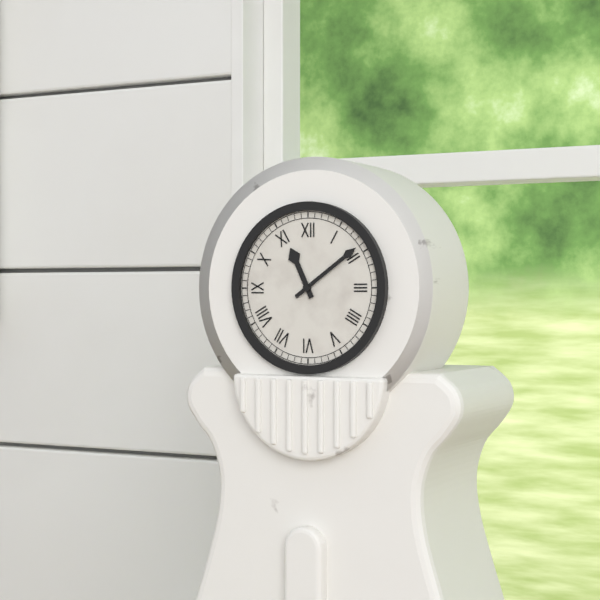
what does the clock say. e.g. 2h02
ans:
11h09
